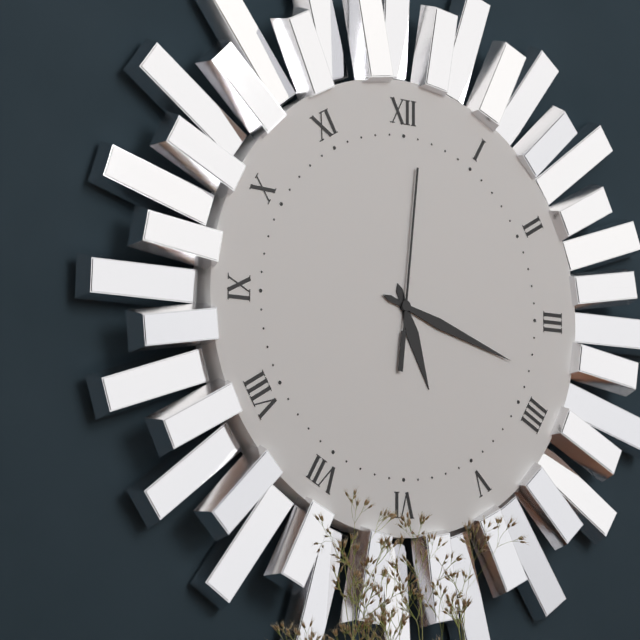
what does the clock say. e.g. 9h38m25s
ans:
5h18m01s
